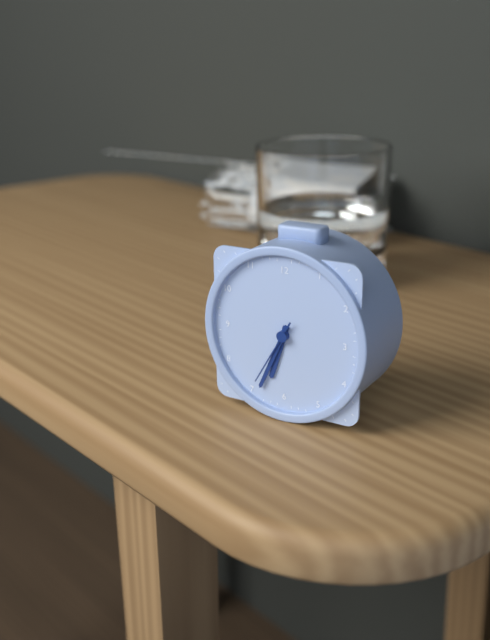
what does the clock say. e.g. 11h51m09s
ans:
6h34m35s
